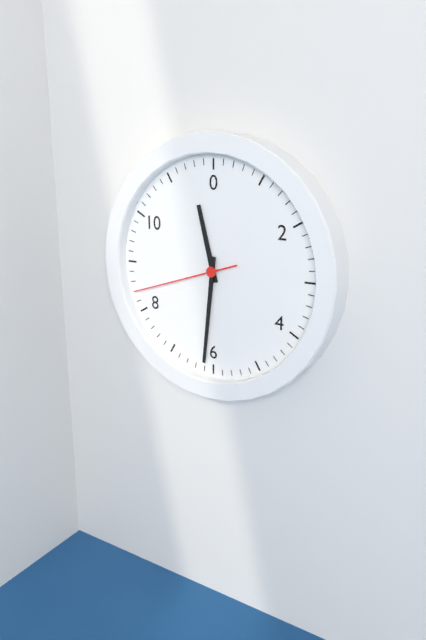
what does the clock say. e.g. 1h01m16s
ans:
11h31m42s
